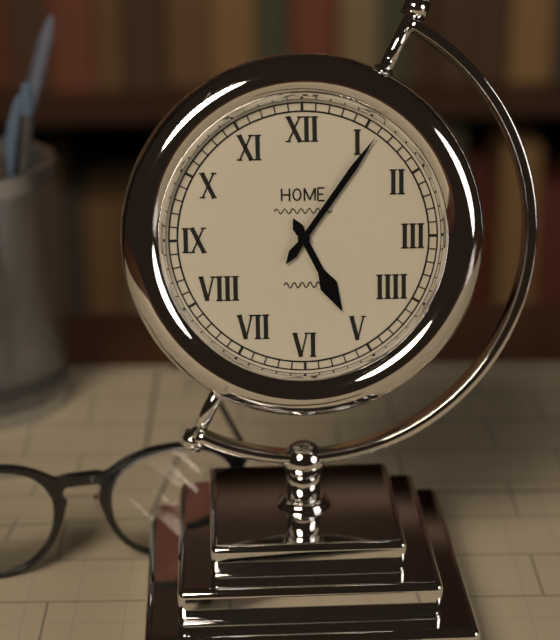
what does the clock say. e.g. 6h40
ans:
5h06
